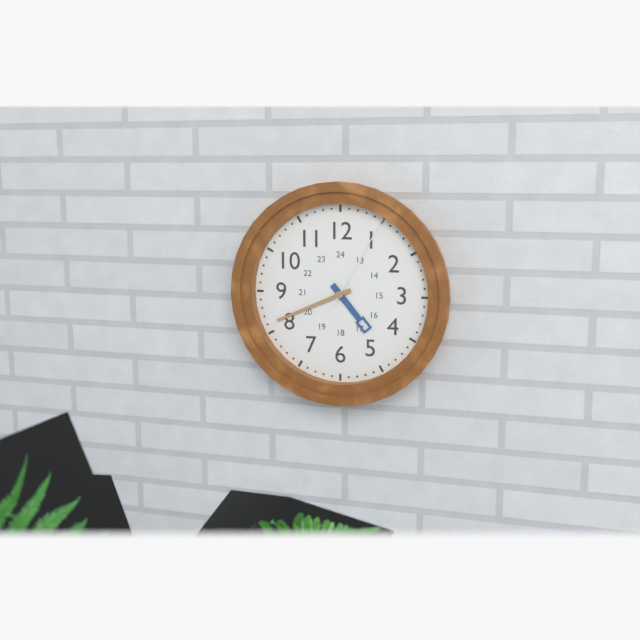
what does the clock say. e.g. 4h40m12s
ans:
4h41m05s
